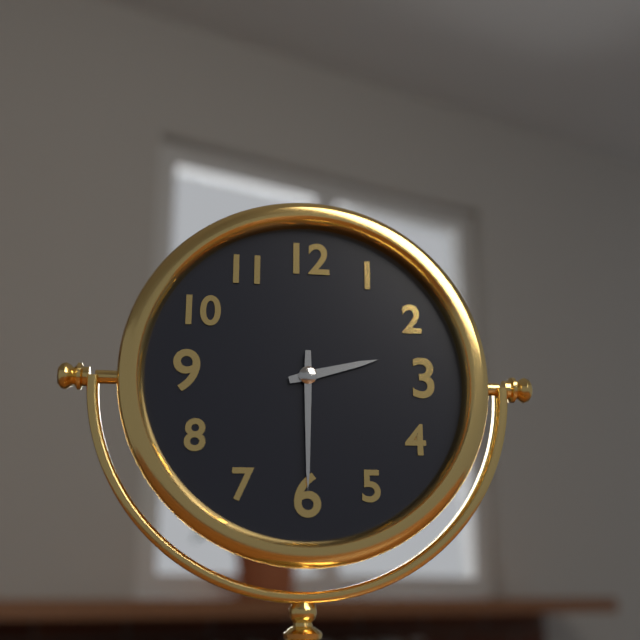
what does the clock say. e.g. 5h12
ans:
2h30
